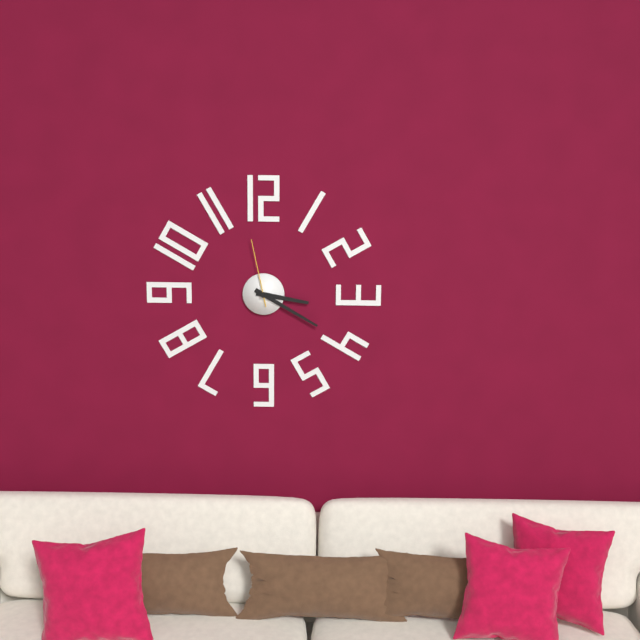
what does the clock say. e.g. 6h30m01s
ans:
3h20m58s
